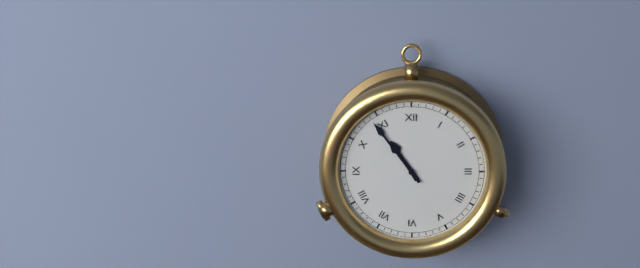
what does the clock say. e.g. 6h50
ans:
10h54
